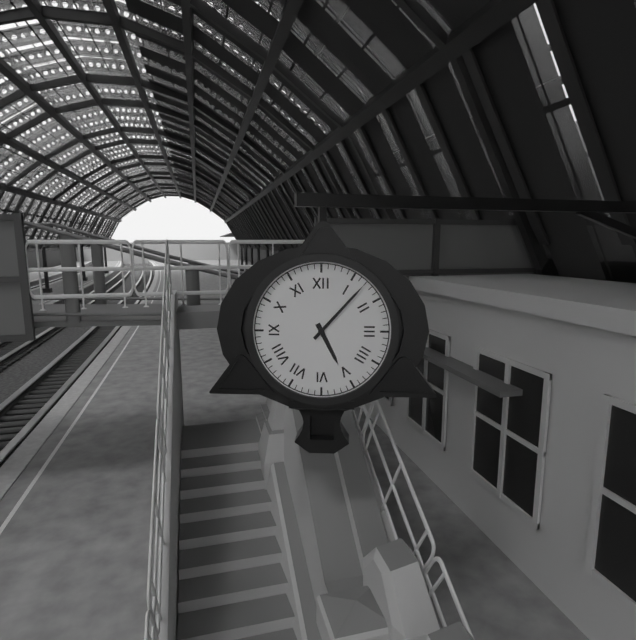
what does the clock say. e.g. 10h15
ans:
5h07
